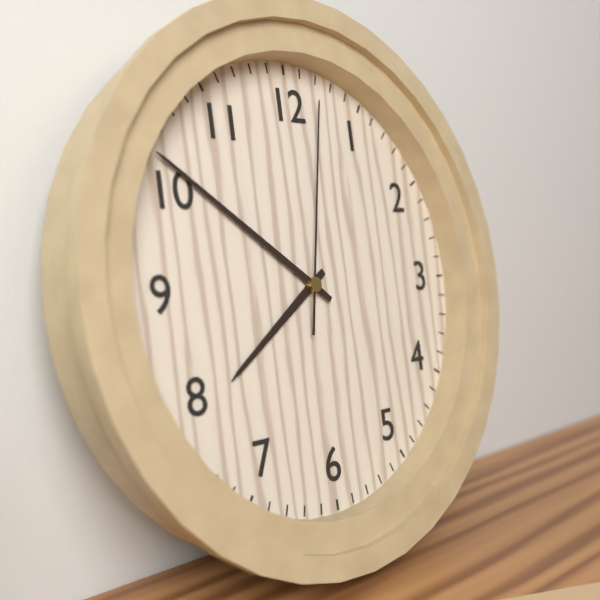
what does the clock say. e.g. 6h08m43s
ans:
7h51m02s
